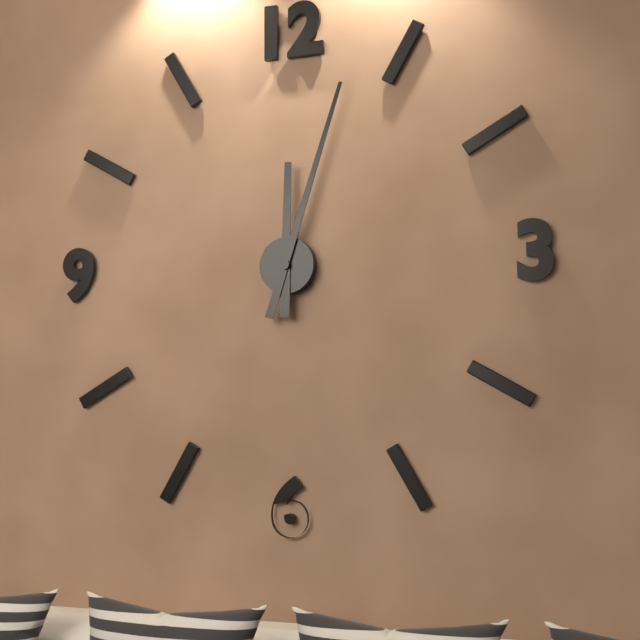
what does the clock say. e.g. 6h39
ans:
12h03
